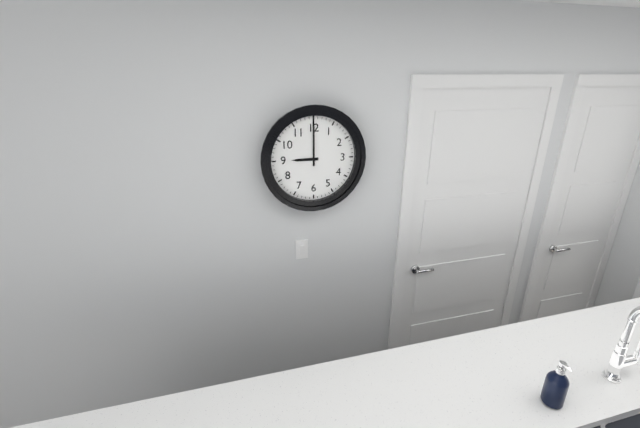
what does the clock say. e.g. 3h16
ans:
9h00
